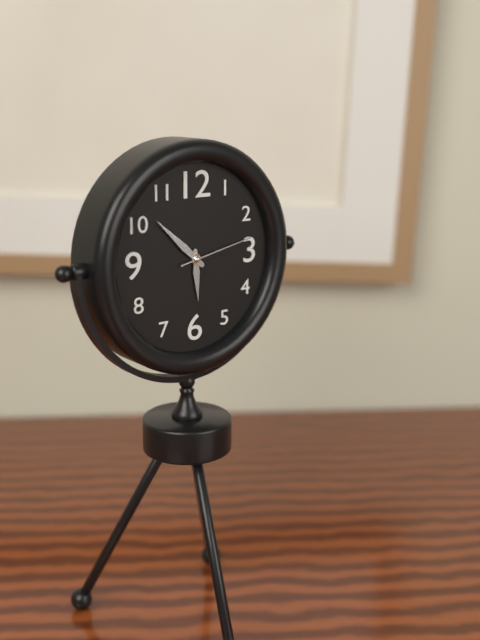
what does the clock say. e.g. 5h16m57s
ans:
5h52m13s
